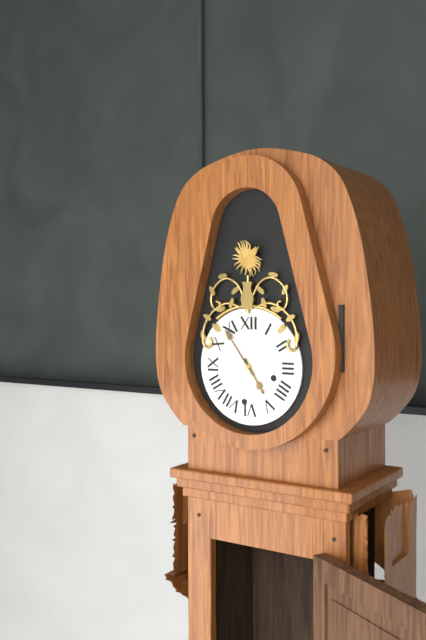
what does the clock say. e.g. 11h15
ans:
4h54
